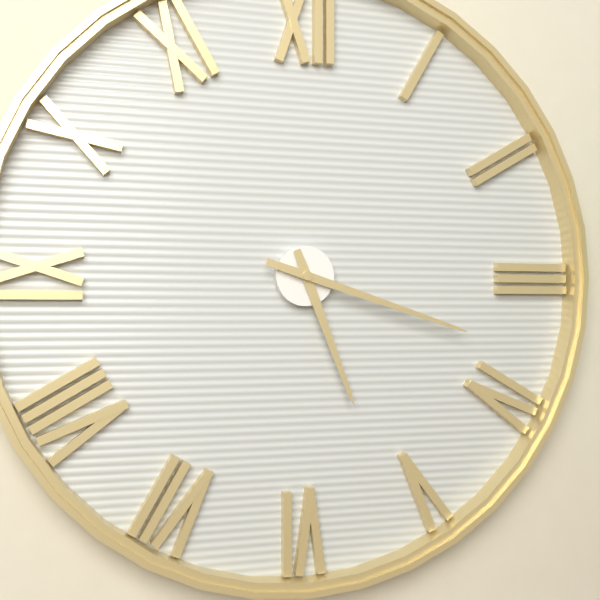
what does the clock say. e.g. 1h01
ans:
5h18
